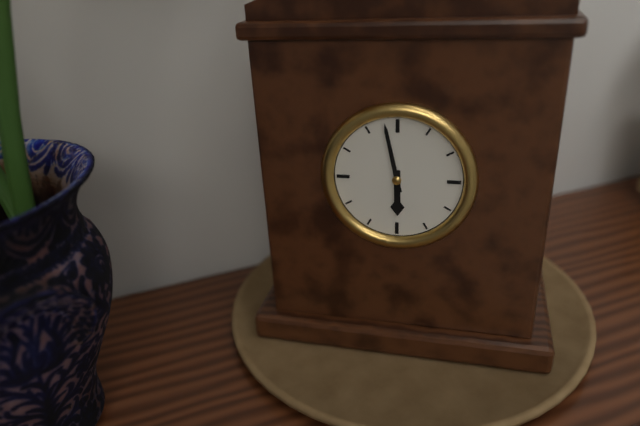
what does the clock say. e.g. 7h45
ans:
5h58
